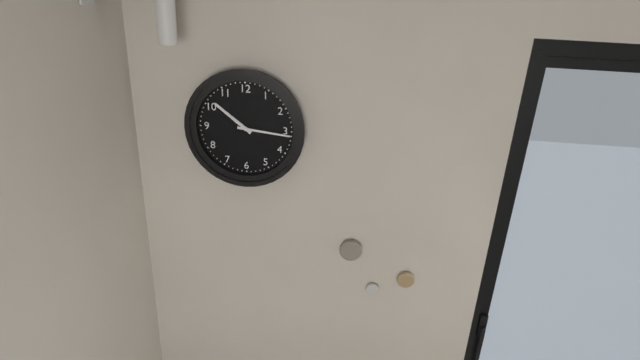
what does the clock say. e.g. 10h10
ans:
10h16
